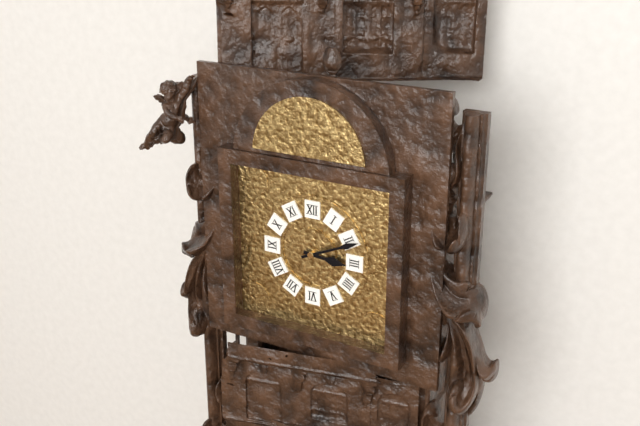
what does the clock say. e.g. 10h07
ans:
3h11
